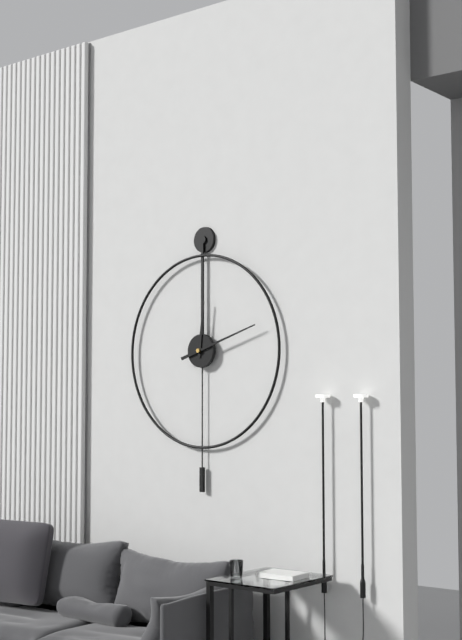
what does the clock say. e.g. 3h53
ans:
12h12
